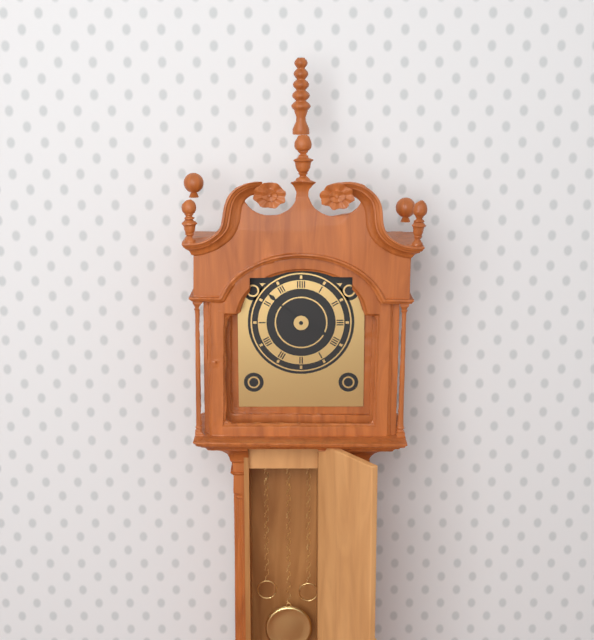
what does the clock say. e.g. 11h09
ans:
3h52
